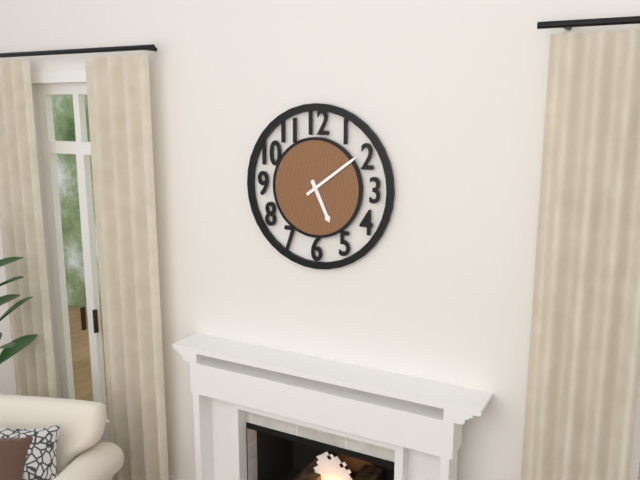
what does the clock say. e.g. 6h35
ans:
5h09
